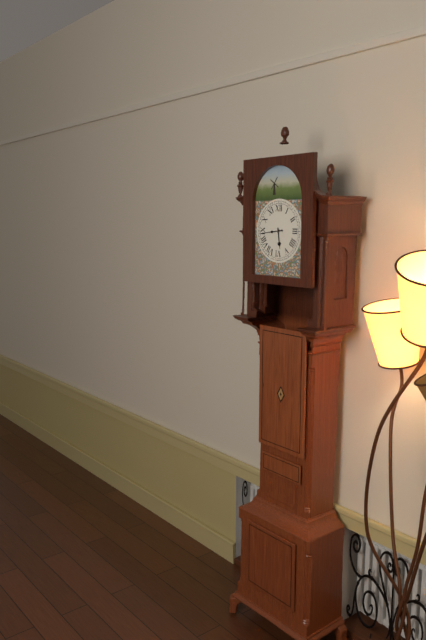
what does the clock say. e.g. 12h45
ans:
5h44
